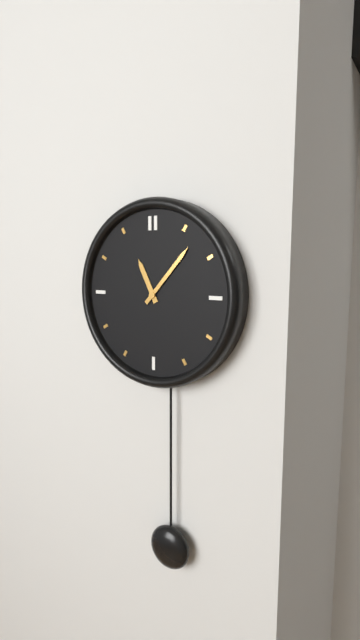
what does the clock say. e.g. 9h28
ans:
11h07
